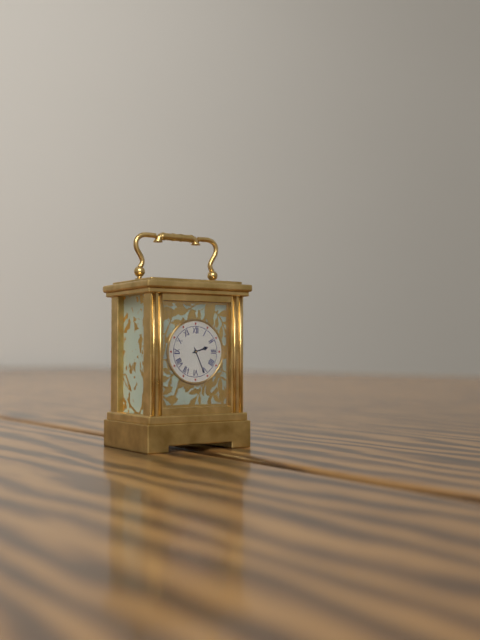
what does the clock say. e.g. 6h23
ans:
2h26
